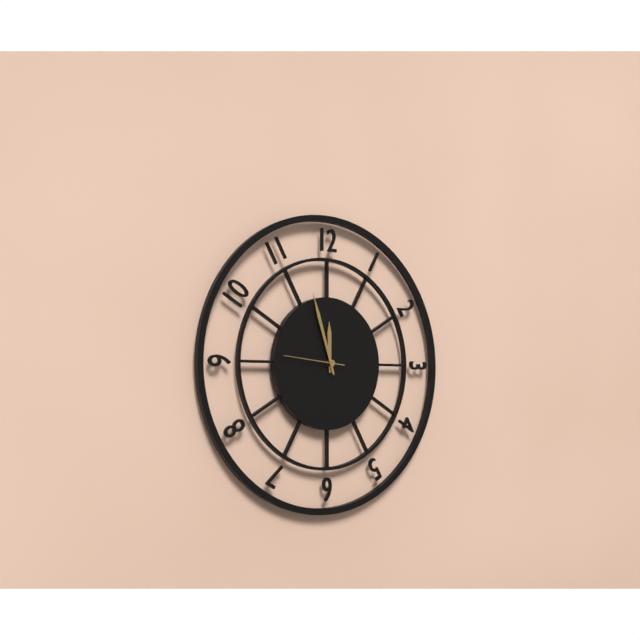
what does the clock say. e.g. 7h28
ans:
11h57
